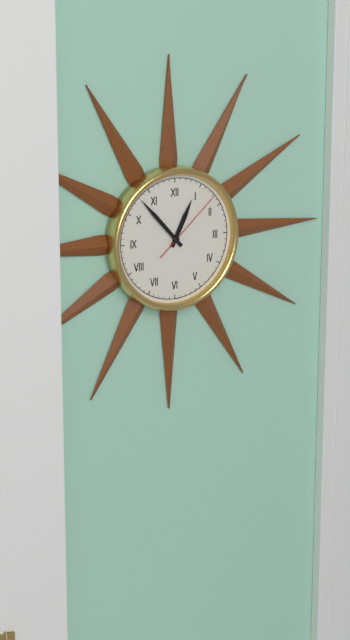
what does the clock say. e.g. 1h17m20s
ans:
12h53m08s
